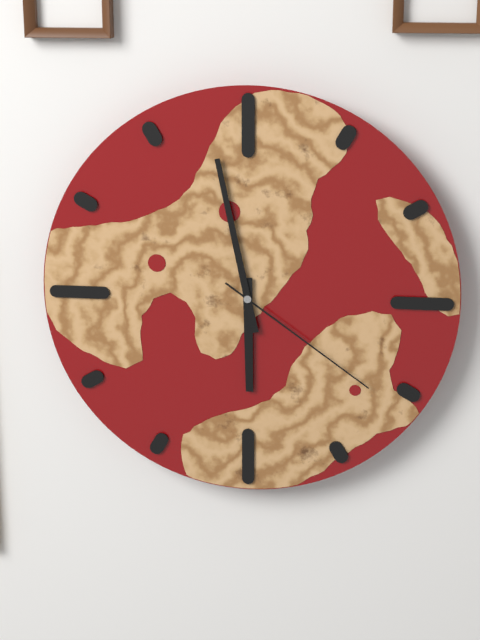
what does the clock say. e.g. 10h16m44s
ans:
5h58m21s
